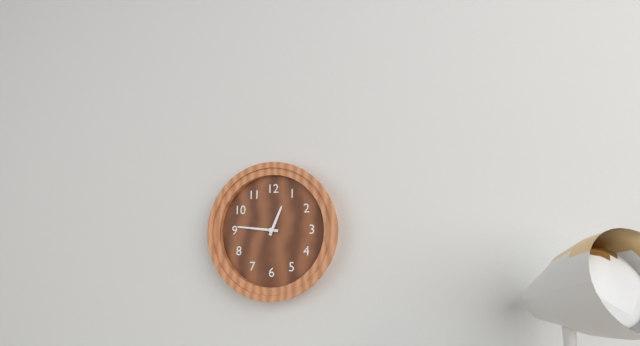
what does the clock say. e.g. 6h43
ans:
12h46
